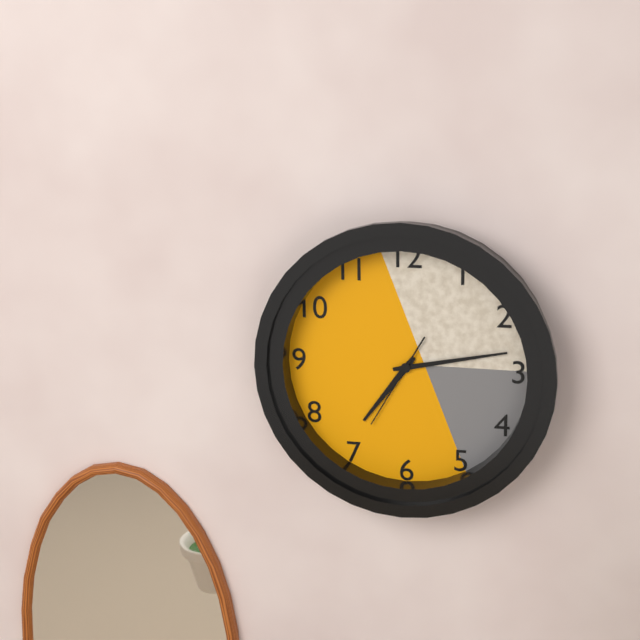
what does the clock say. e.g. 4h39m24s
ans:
7h13m35s
